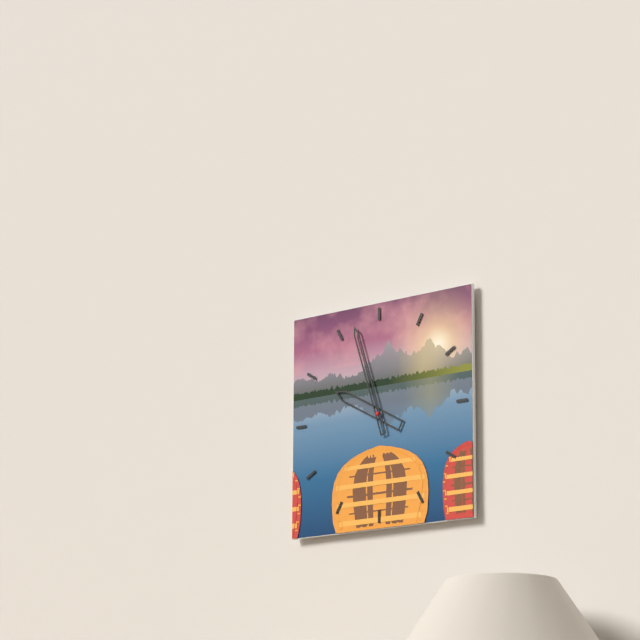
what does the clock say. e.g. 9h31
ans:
9h57
